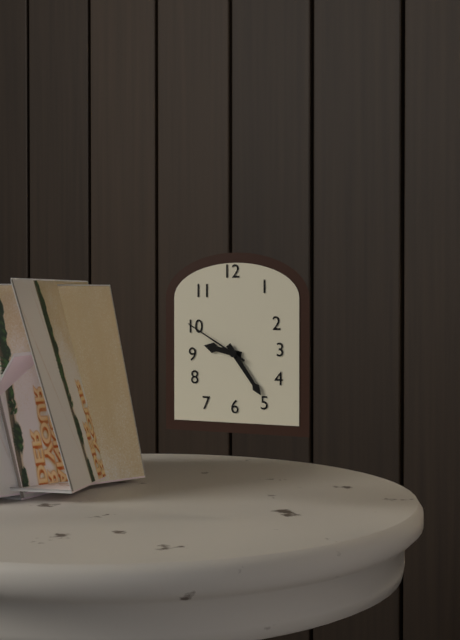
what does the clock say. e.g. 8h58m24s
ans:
9h24m50s
